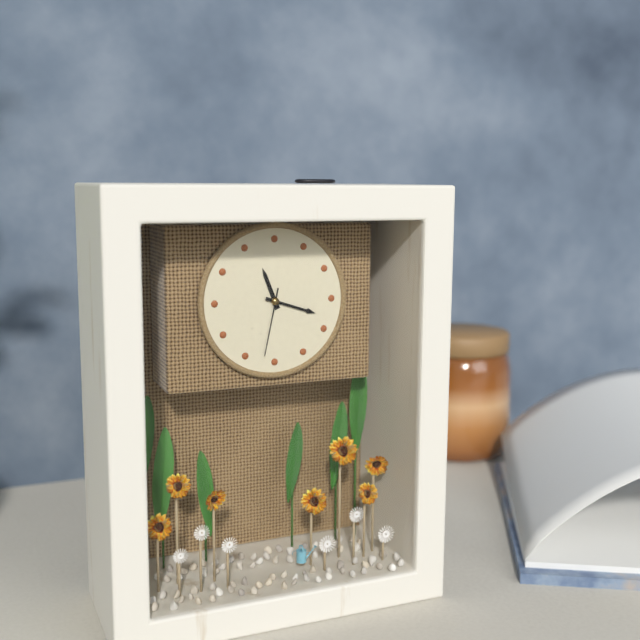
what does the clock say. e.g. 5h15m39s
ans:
11h18m32s
